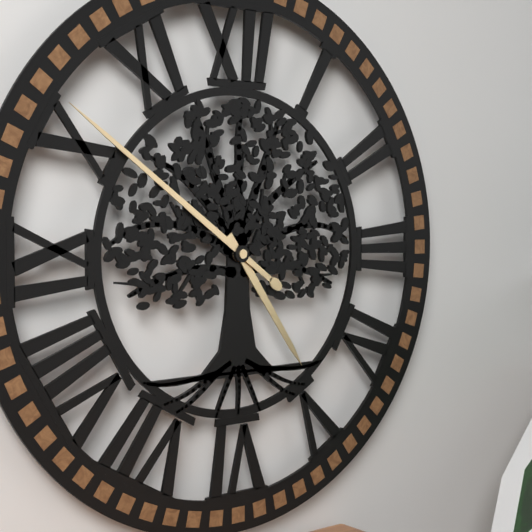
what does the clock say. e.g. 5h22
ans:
4h51
